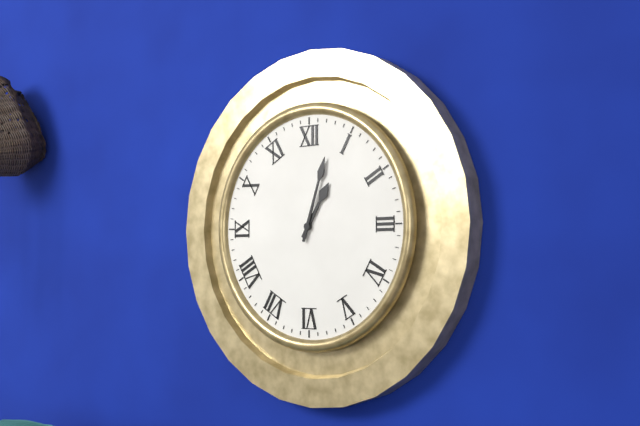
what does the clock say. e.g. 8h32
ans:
1h03
